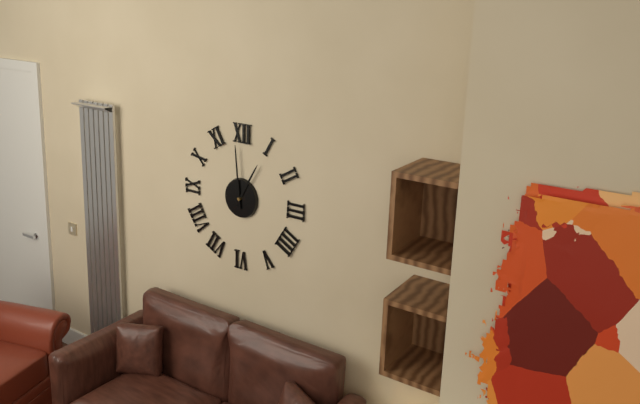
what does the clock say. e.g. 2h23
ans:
12h59
